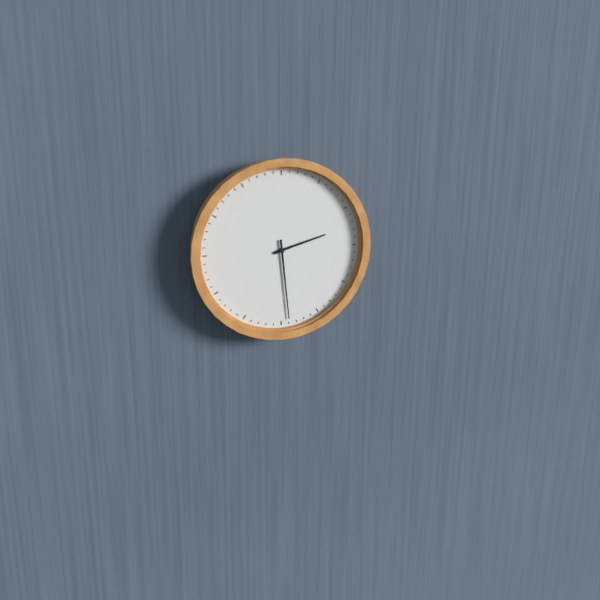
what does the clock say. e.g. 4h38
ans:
2h29
